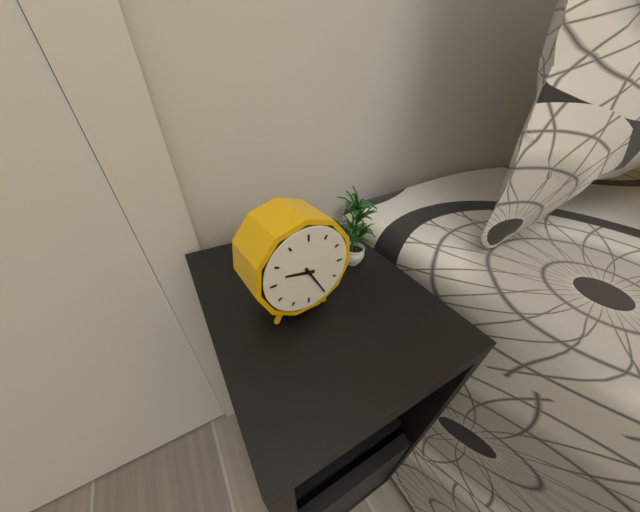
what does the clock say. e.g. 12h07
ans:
9h25
